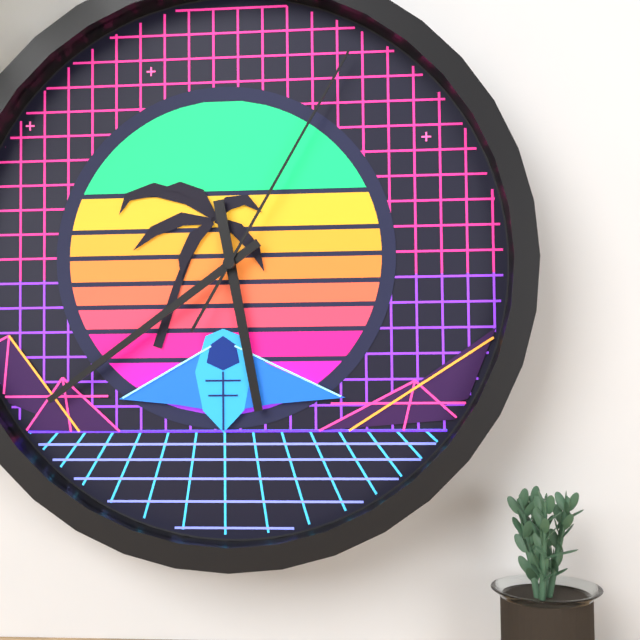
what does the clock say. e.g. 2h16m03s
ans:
5h39m05s
